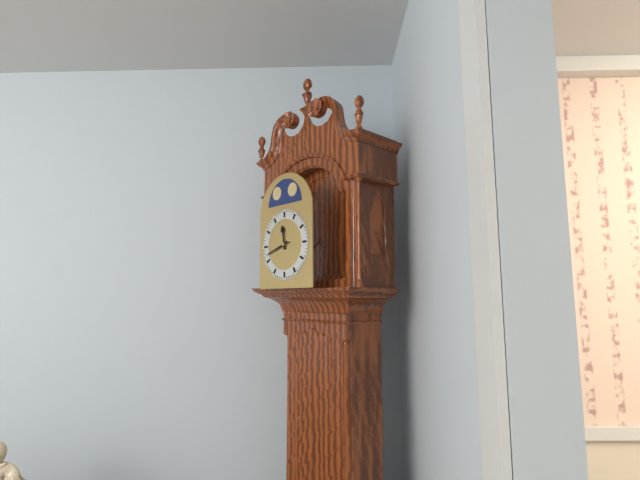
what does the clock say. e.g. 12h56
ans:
11h42
